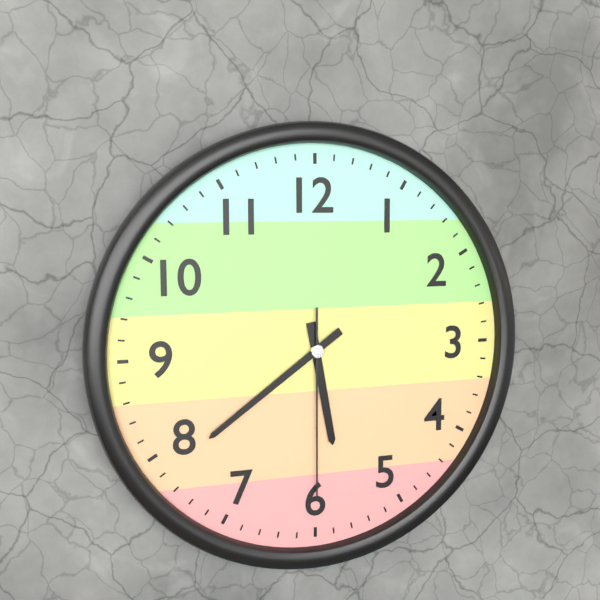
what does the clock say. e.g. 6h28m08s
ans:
5h39m30s
